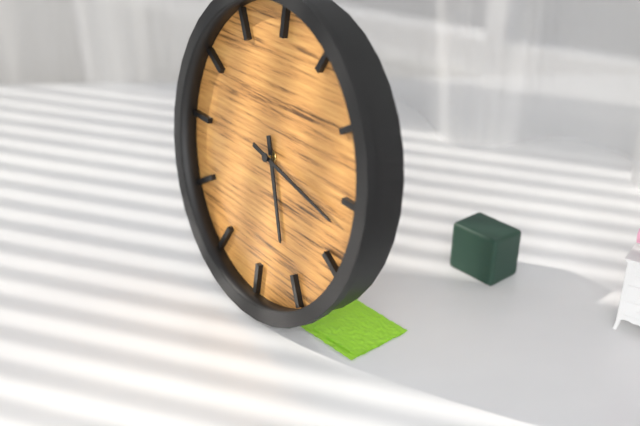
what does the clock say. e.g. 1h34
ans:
5h17
